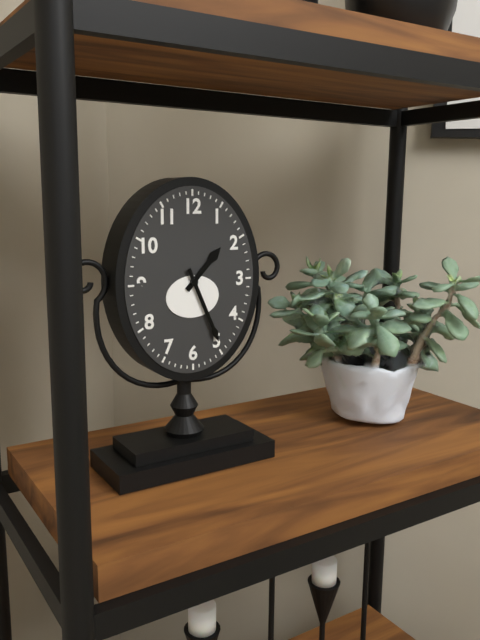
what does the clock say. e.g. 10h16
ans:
1h26
